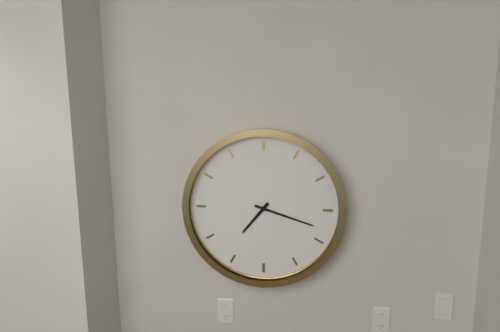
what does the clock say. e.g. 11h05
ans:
7h18
